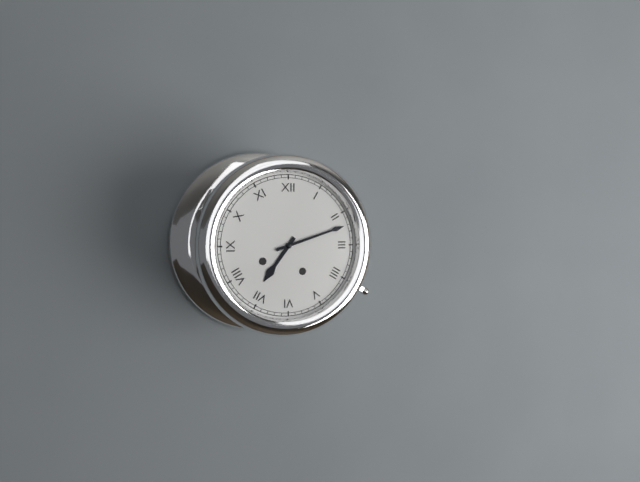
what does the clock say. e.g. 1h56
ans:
7h12
